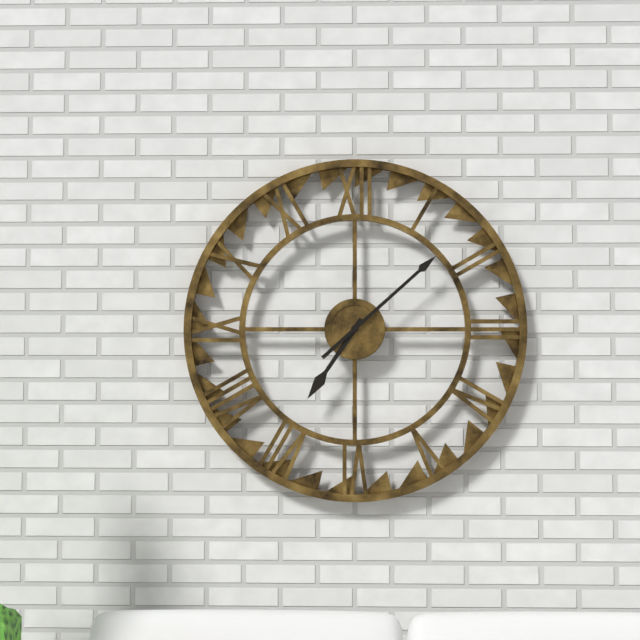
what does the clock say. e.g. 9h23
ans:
7h08
